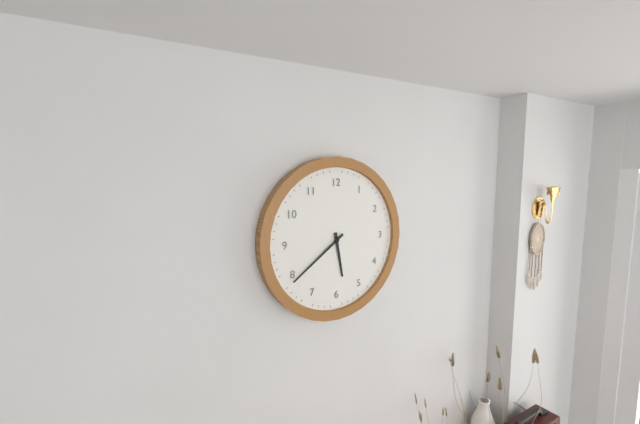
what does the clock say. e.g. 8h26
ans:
5h39
